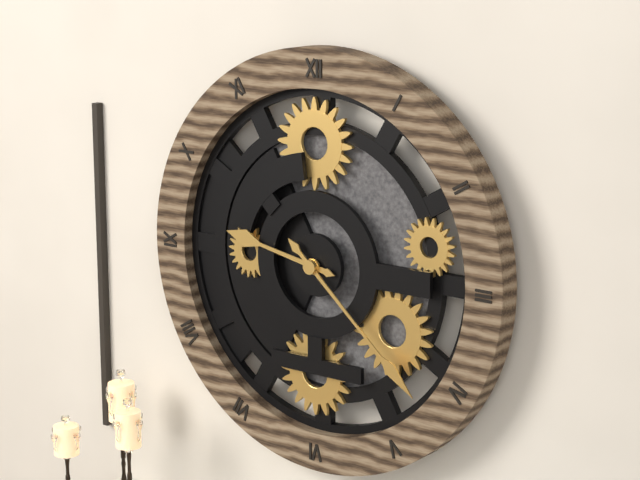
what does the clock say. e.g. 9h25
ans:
9h22
